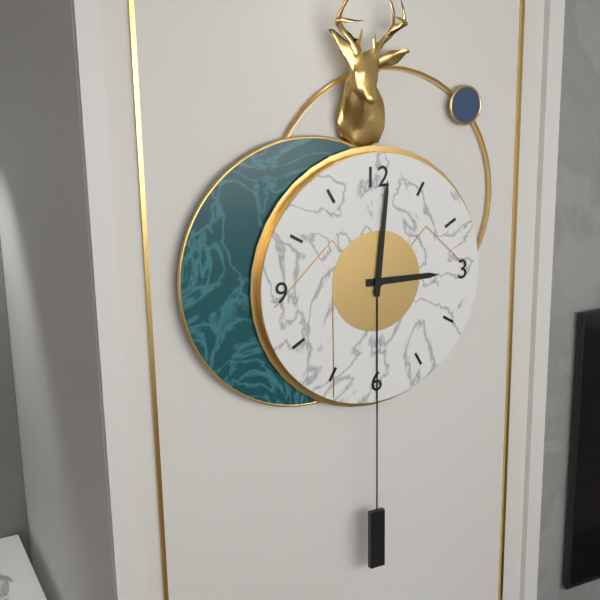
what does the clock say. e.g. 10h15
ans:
3h01
